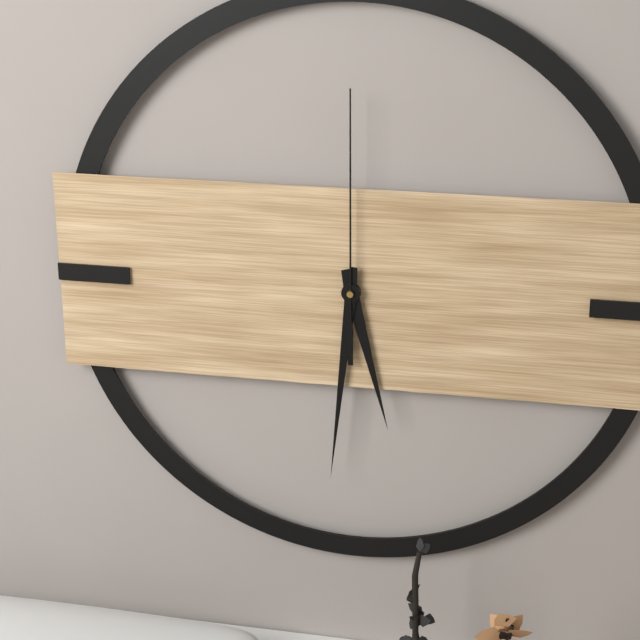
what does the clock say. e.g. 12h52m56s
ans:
5h31m00s
